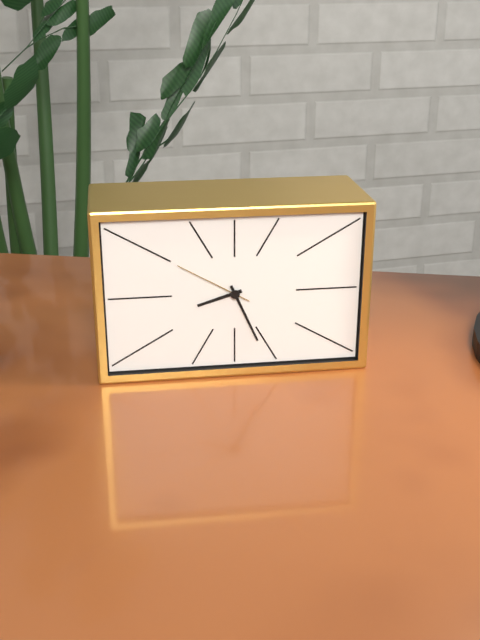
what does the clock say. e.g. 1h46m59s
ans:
8h26m50s
